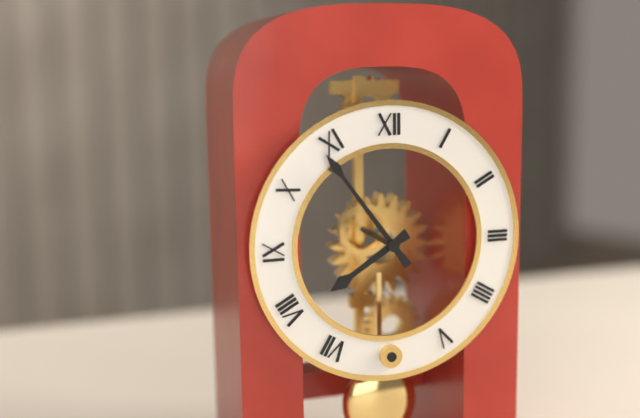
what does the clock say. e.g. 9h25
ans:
7h54
